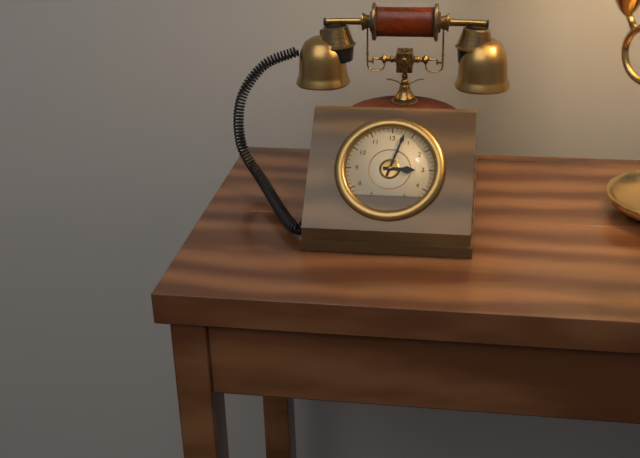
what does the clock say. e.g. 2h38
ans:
3h03
